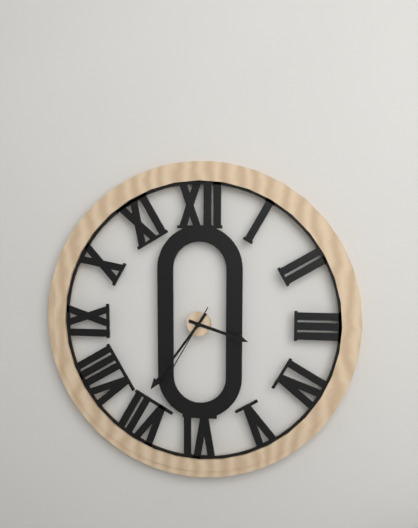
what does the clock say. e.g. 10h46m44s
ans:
3h36m35s
